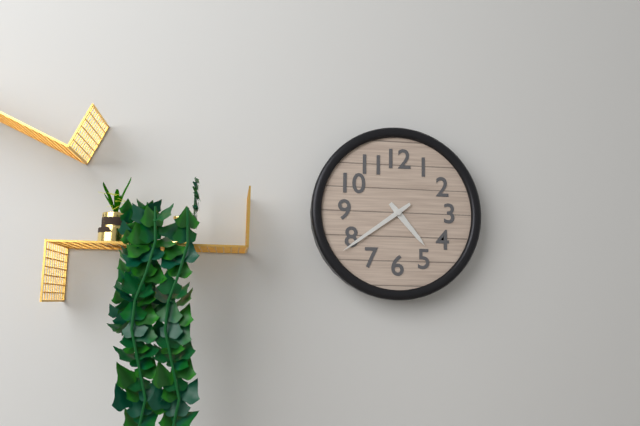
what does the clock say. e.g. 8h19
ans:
4h39
